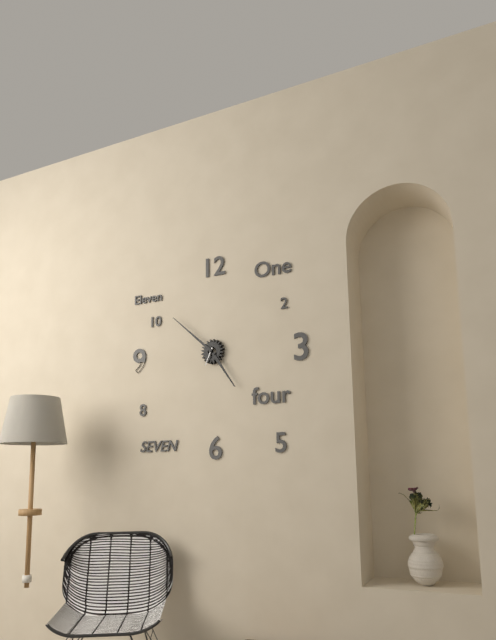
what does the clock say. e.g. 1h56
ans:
4h52
